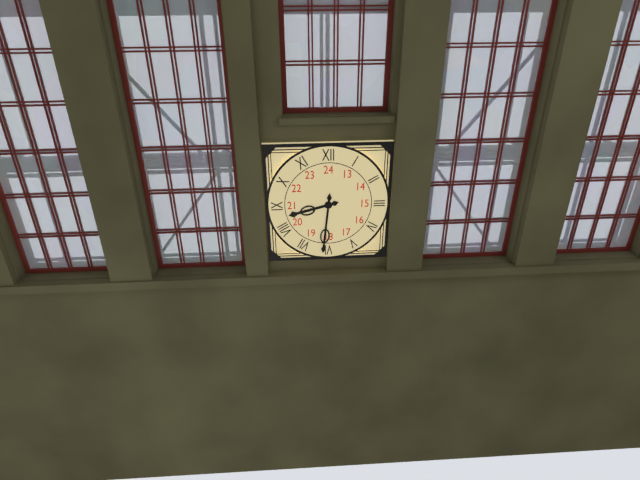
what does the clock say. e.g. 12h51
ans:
8h31
